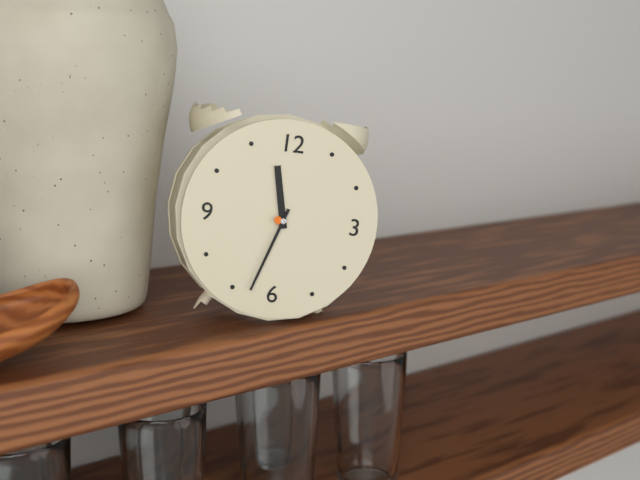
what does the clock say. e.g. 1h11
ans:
11h33
